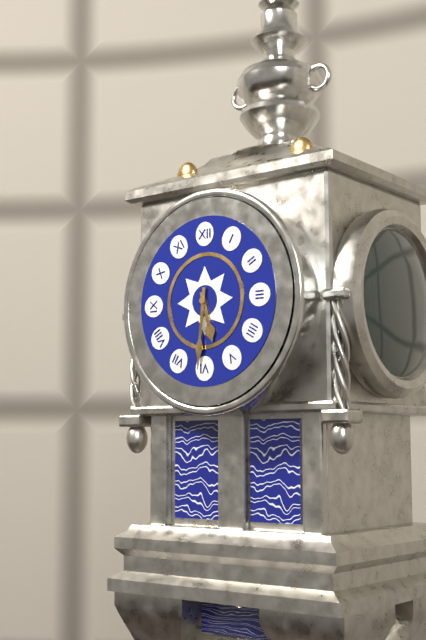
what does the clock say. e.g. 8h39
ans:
5h31
